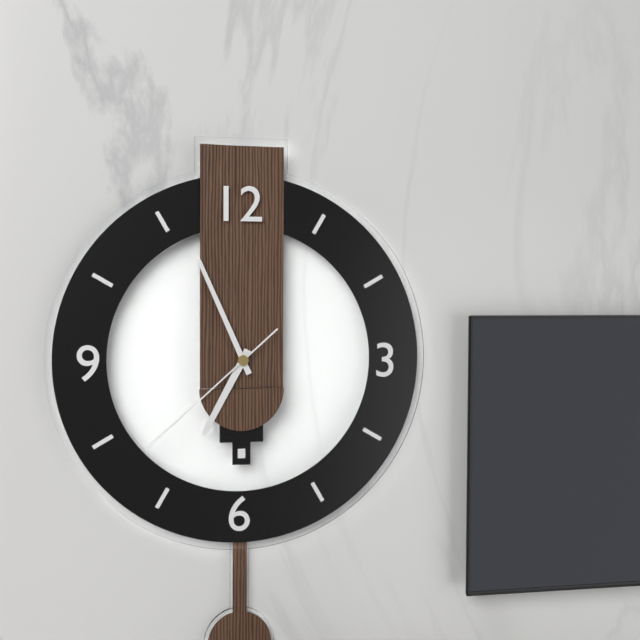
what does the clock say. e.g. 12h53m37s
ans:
6h56m38s
